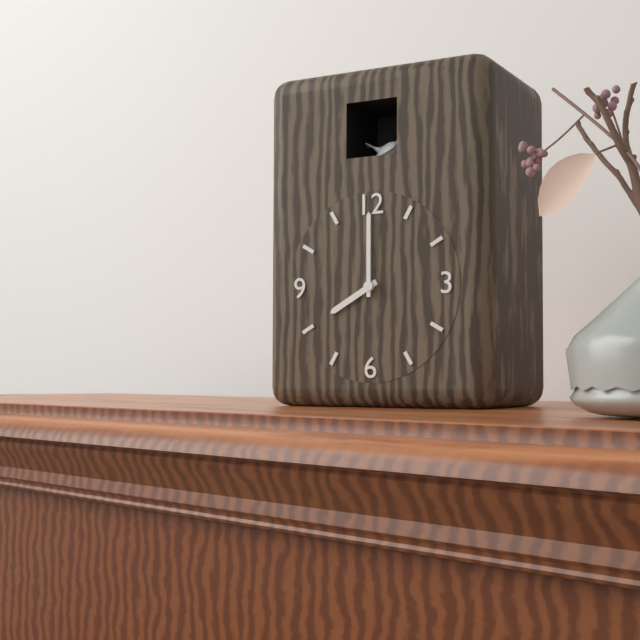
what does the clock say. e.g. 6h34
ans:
8h00
